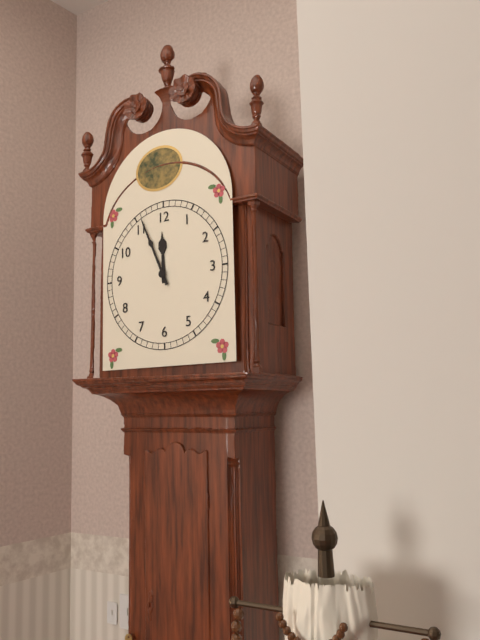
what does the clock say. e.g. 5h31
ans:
11h56
